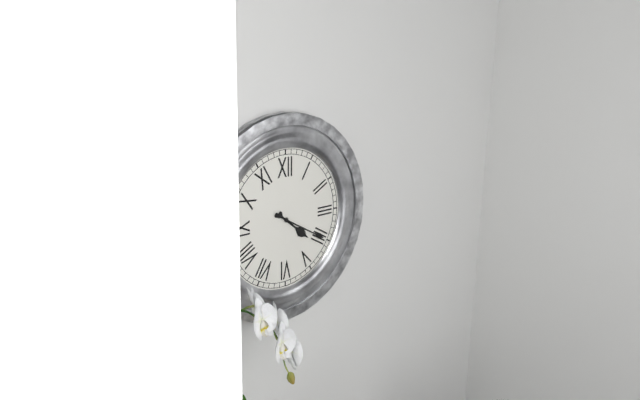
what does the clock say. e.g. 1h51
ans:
4h20
